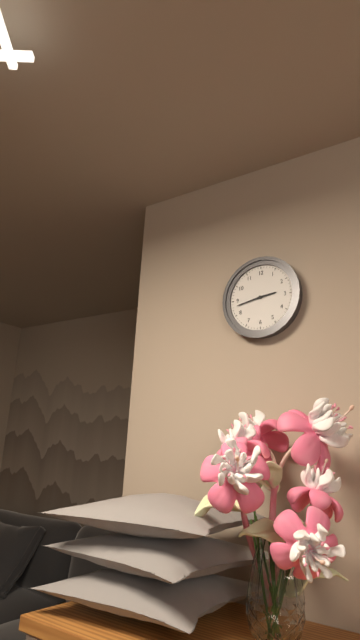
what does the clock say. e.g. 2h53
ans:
2h43
